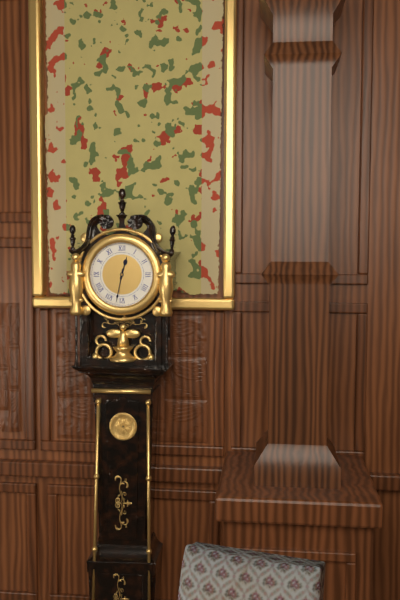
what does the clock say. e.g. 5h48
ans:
12h32
